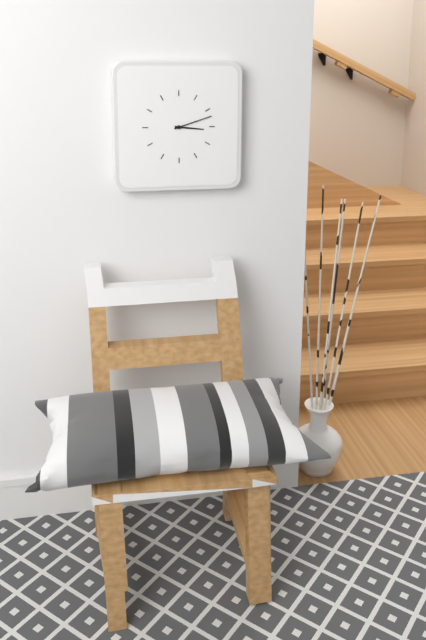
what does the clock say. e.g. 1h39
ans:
3h12
